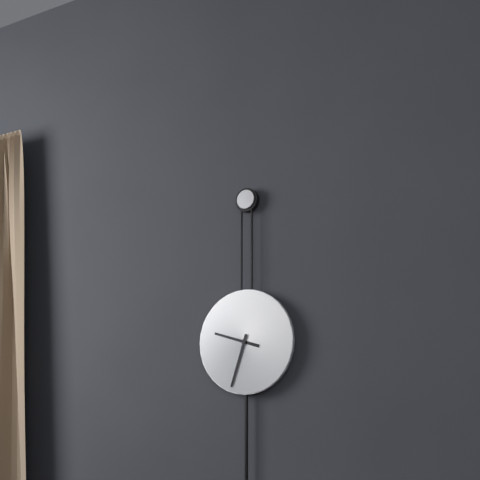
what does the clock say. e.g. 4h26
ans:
9h33
